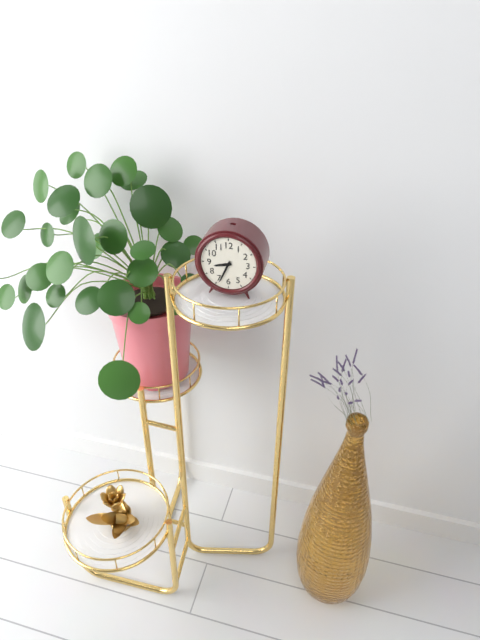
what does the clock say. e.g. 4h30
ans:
8h34
